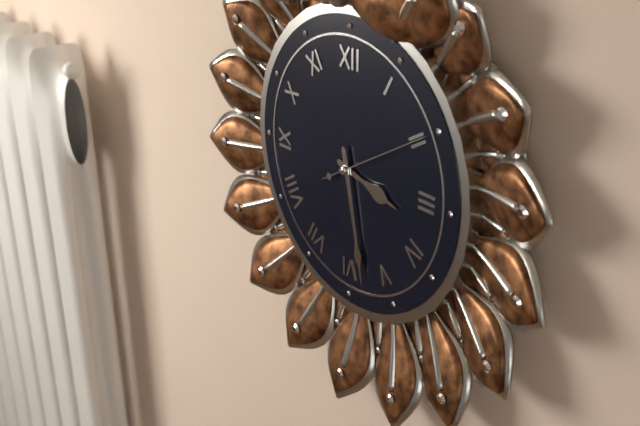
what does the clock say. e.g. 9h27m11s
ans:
3h28m10s
